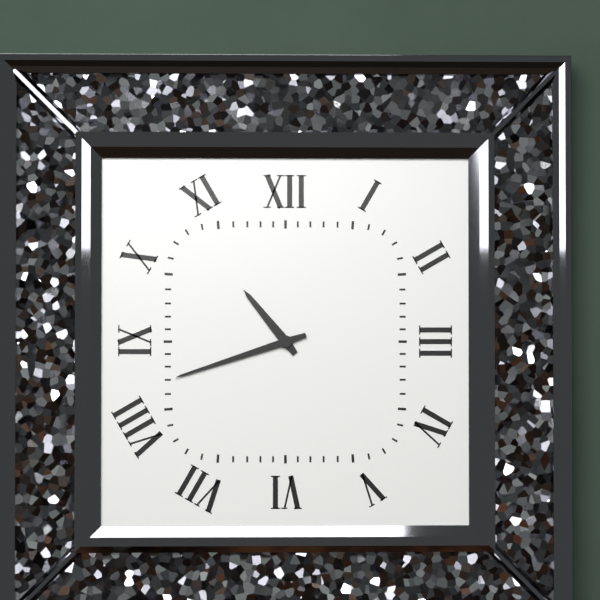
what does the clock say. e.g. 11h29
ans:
10h42
